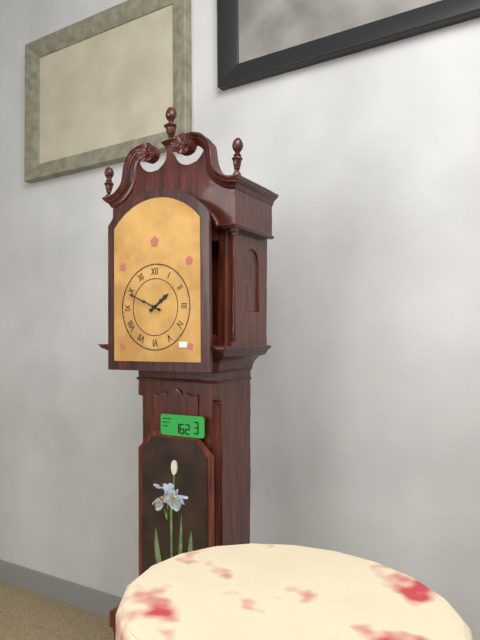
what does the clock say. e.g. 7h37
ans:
1h49
